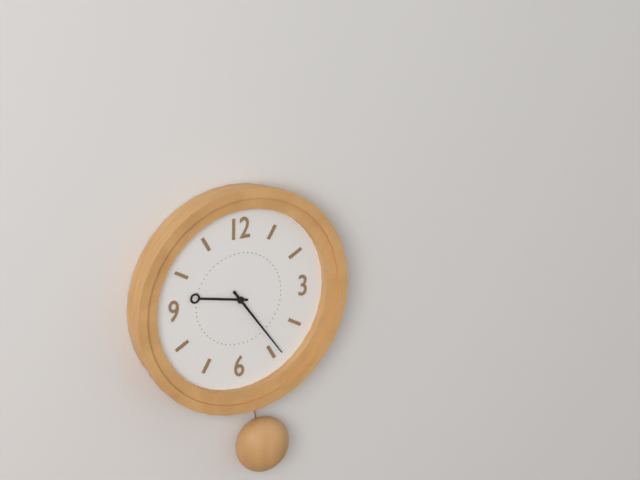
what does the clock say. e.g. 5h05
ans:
9h24
